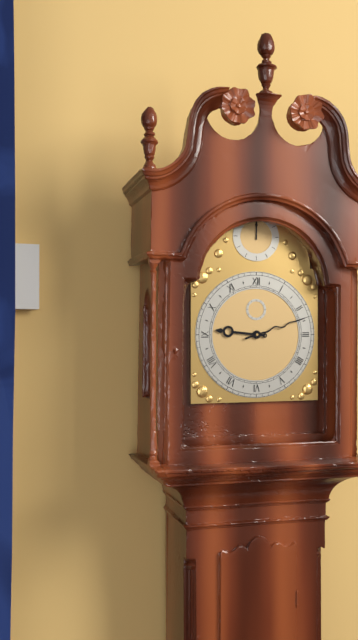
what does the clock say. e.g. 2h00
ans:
9h12
